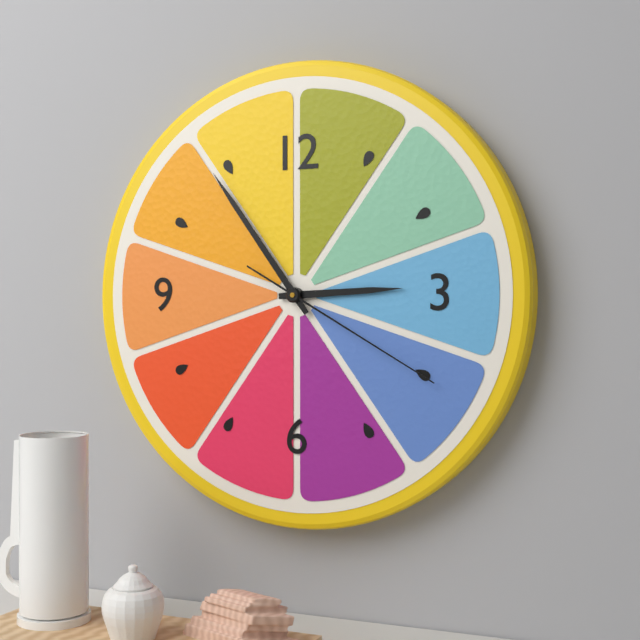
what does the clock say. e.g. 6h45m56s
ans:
2h54m20s
